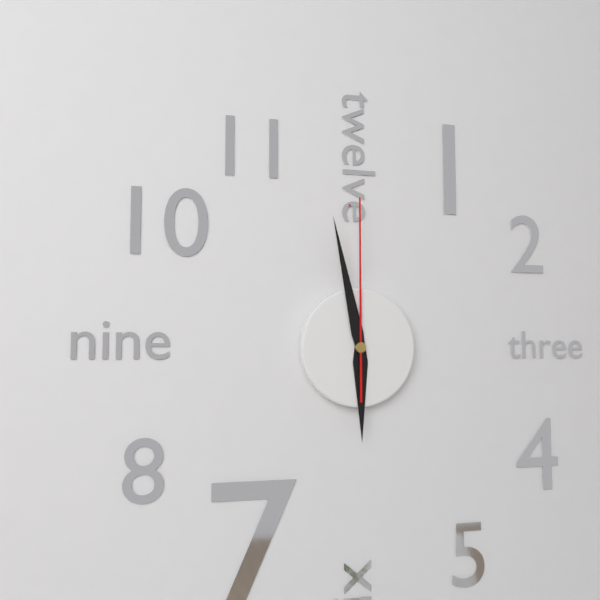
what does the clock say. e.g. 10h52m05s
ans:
5h58m00s
